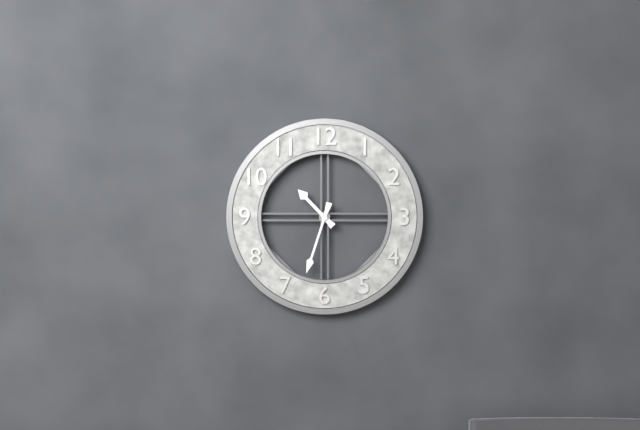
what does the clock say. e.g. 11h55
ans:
10h33
